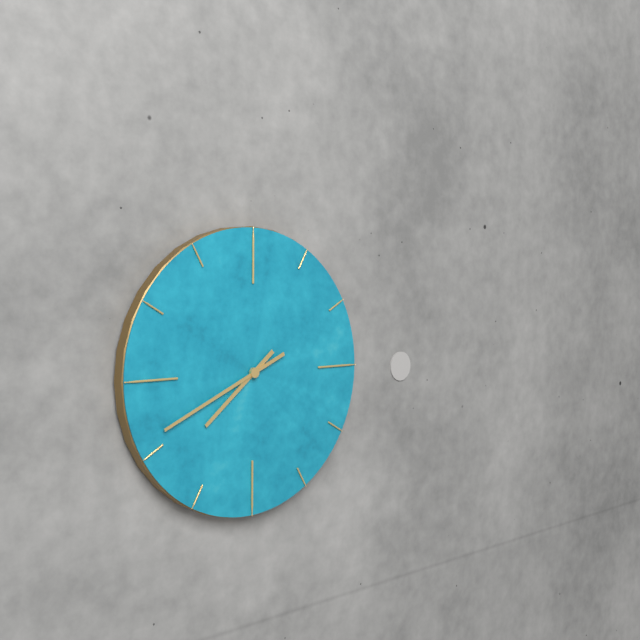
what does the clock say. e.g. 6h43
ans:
7h41
